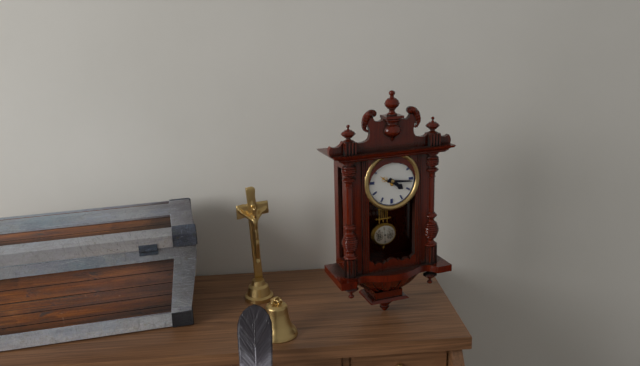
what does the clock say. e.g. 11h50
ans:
4h16
